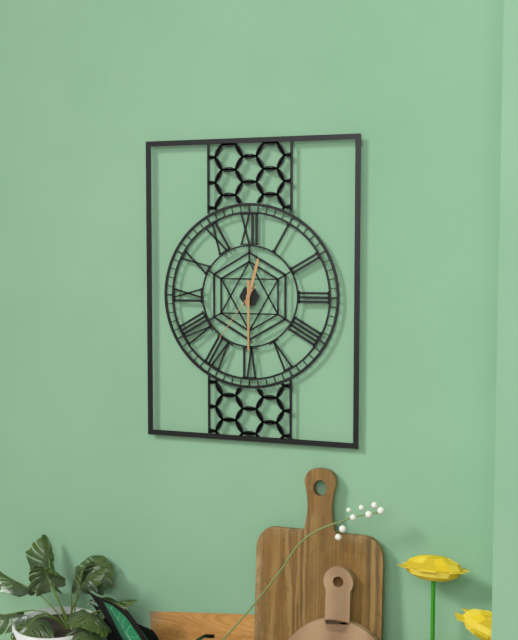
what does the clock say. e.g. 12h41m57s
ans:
12h30m36s
